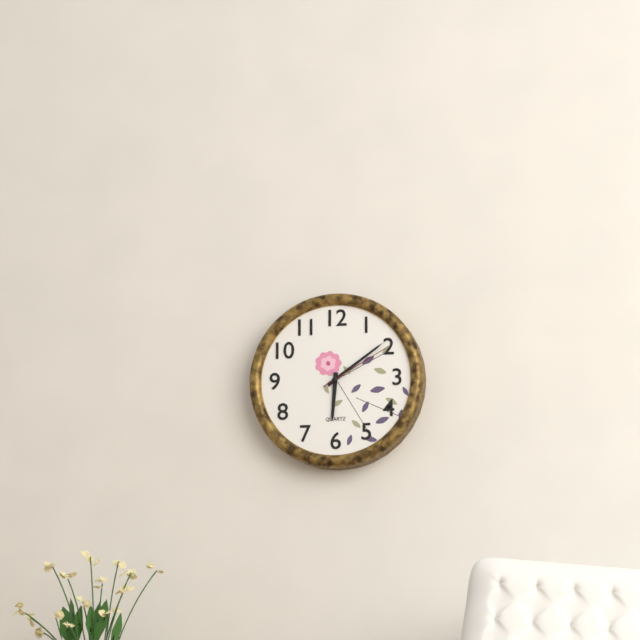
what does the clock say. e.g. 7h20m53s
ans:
6h09m10s
